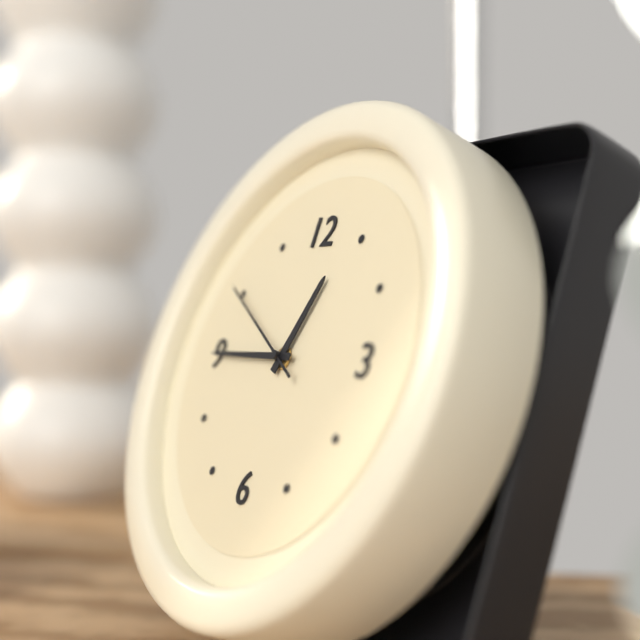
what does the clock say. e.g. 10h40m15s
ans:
12h45m50s
